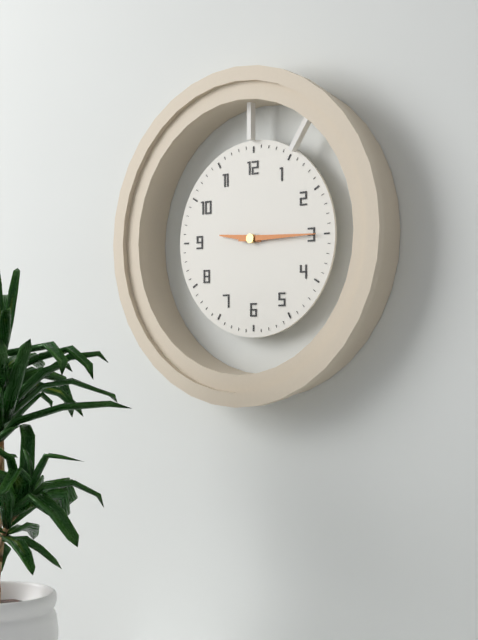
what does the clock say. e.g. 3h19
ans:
9h15
